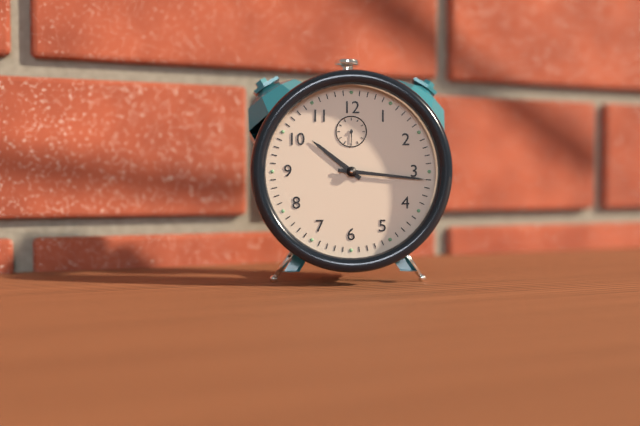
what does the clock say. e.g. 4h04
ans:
10h16
